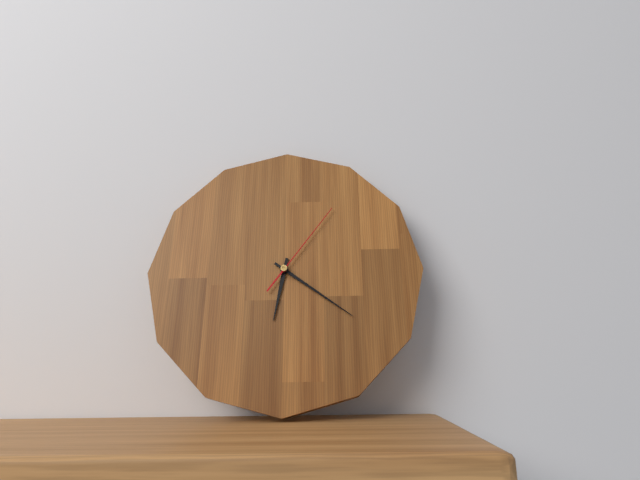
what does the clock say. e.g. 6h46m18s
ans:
6h21m06s
